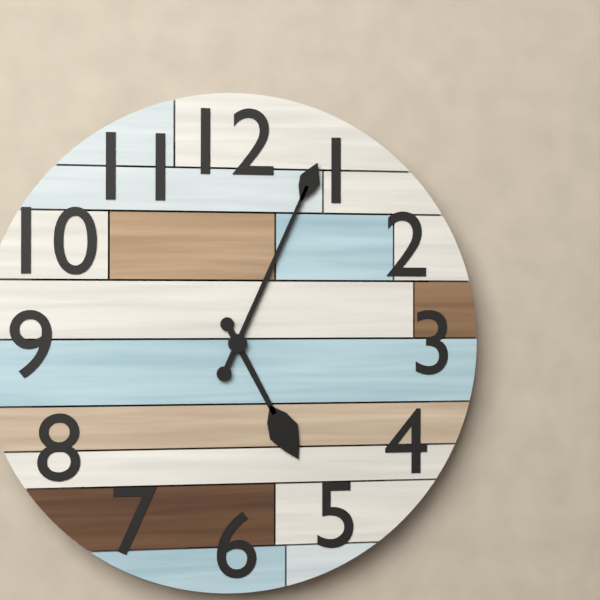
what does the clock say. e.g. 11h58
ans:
5h04
